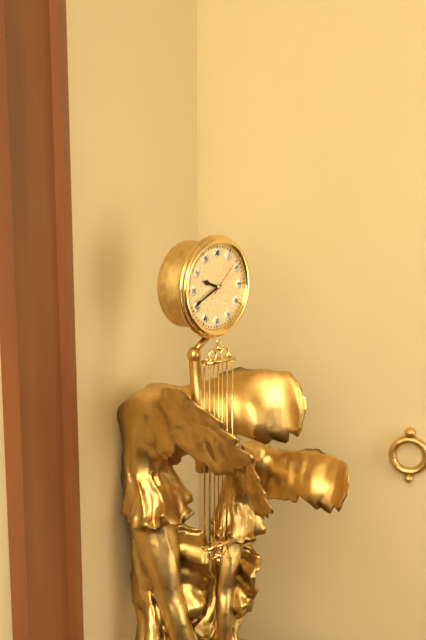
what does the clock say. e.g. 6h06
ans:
9h41
